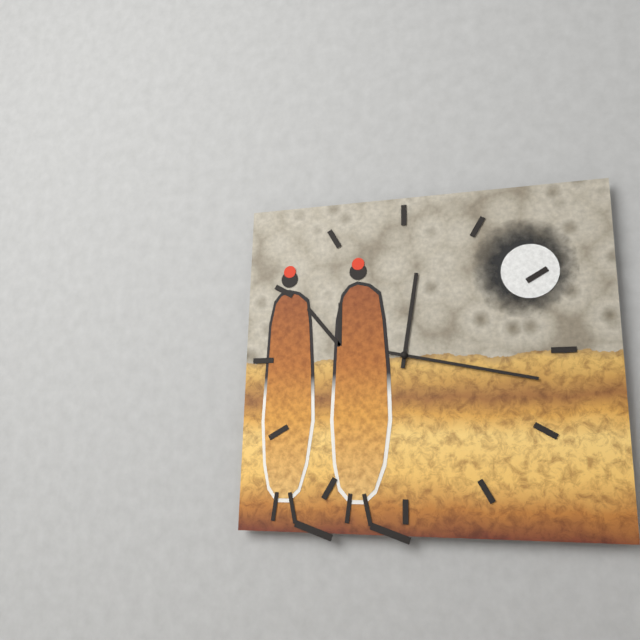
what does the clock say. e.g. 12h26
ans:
12h17
